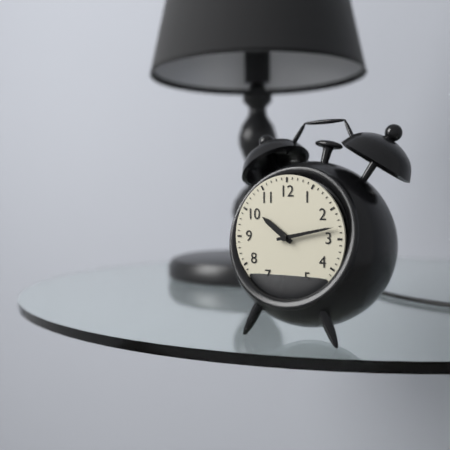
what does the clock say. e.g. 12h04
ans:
10h13
